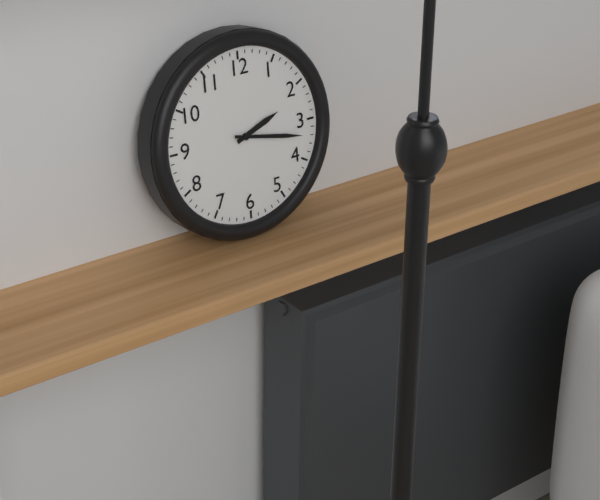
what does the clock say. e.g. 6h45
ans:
2h17
